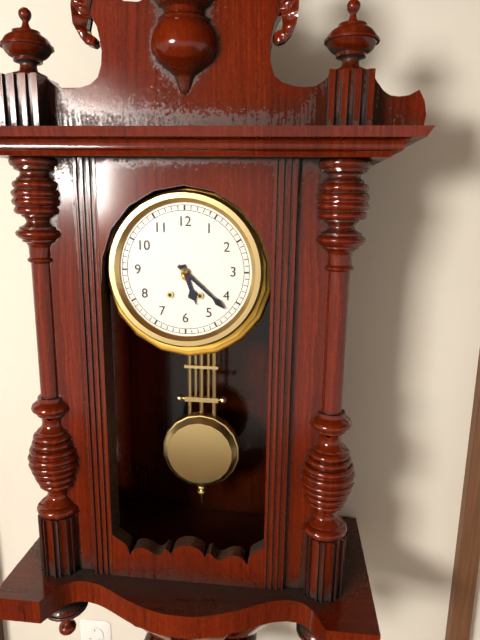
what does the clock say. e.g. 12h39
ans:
5h22
